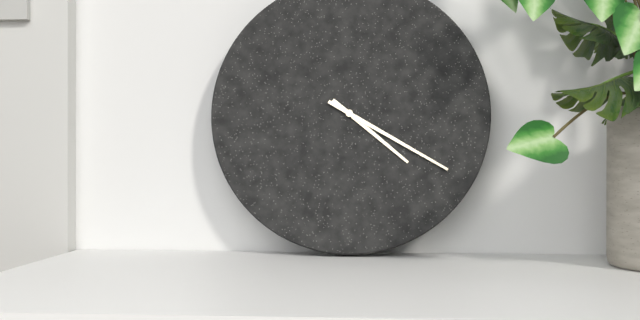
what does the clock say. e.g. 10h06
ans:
4h20
